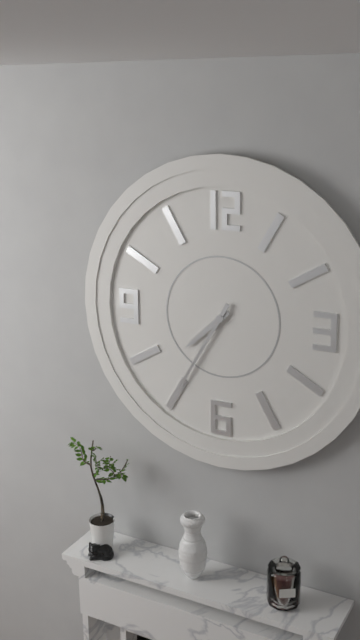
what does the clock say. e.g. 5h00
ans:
7h35
